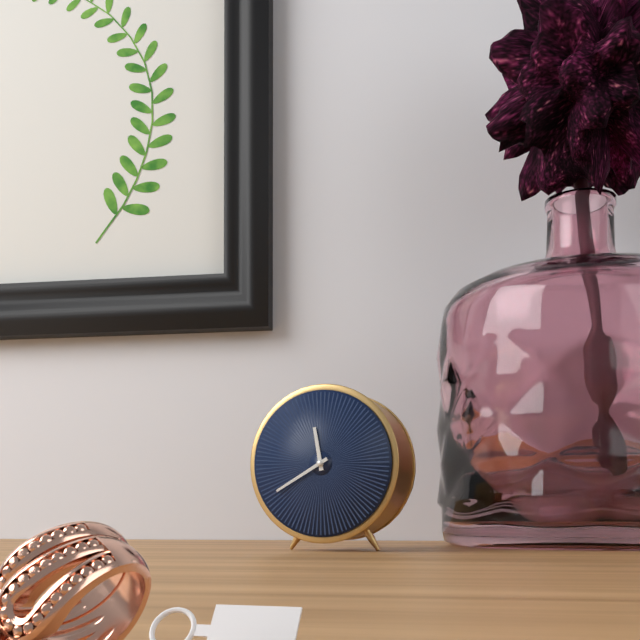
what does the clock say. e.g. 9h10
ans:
11h40
